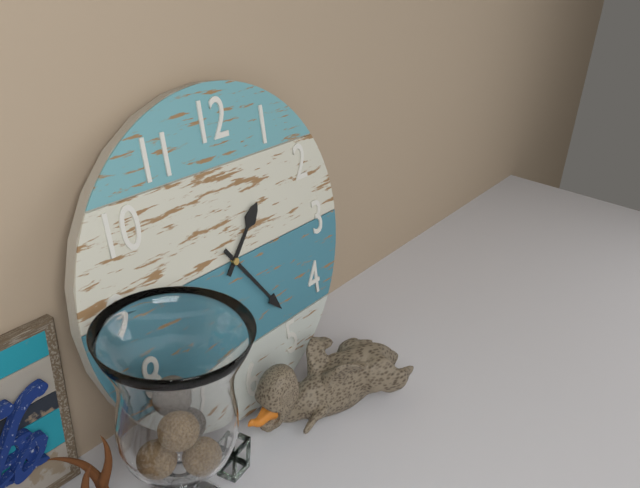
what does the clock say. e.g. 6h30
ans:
1h24
